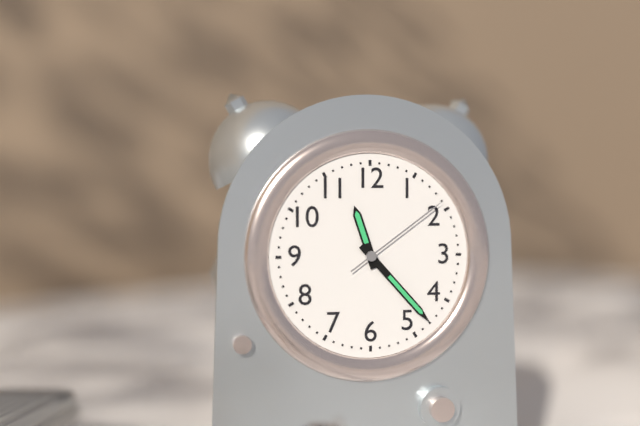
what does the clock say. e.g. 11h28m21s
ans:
11h23m09s
